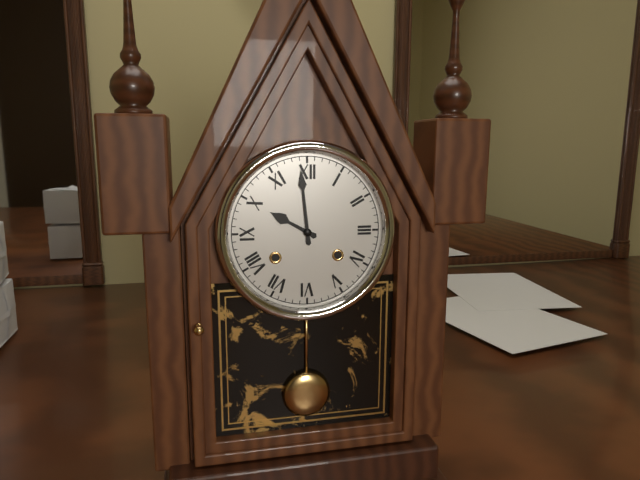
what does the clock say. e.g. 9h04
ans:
9h59
